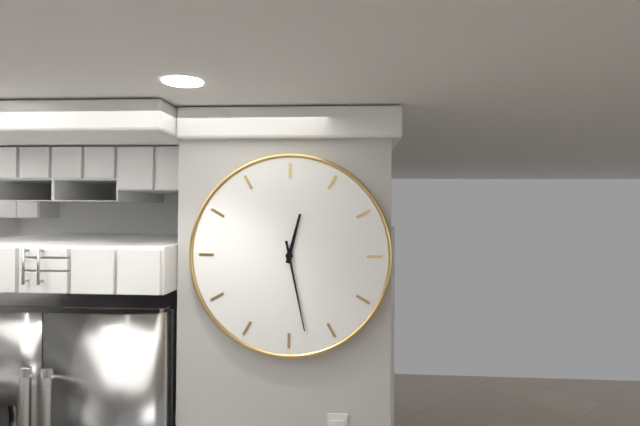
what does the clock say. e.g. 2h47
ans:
12h28
